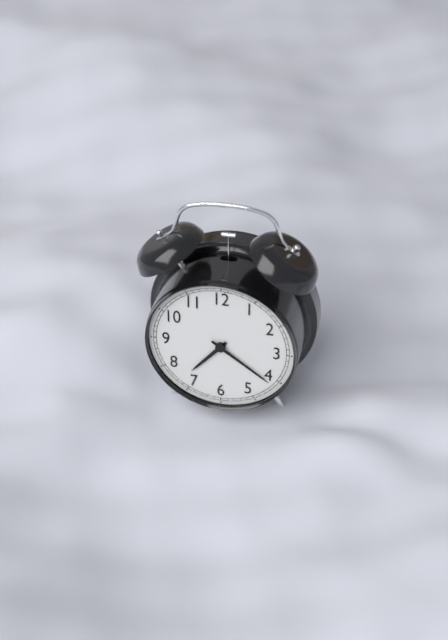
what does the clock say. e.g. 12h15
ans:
7h21
